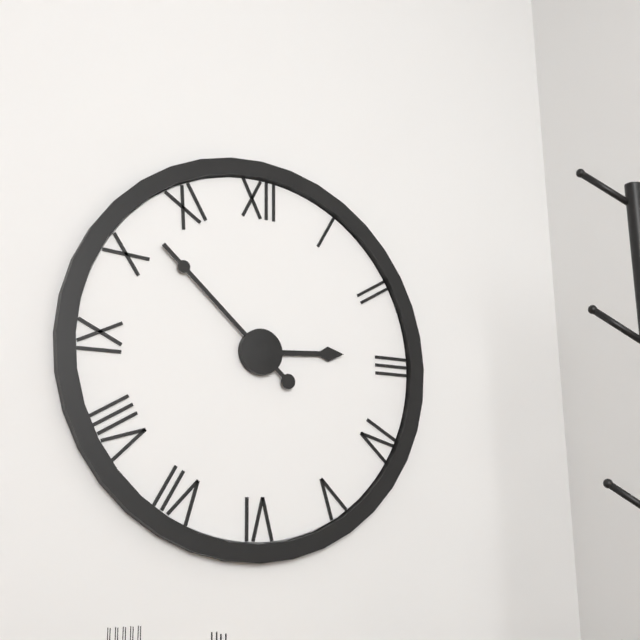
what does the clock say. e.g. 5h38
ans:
2h52
